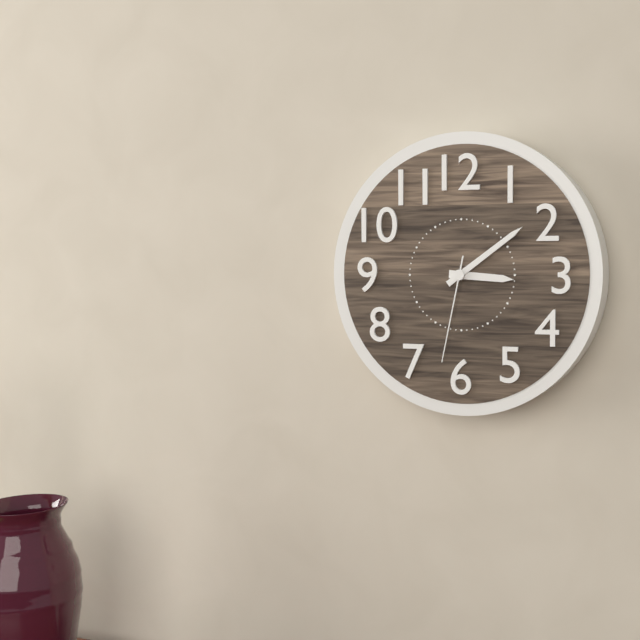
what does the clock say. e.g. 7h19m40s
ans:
3h09m32s
